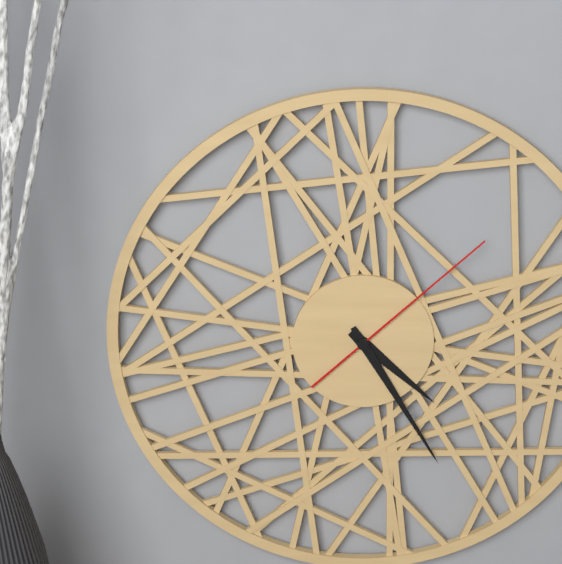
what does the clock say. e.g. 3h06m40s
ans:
4h25m08s
